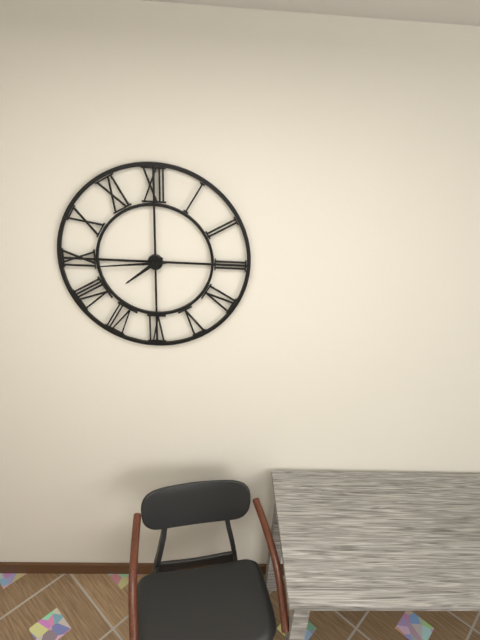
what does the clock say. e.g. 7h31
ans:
7h44
